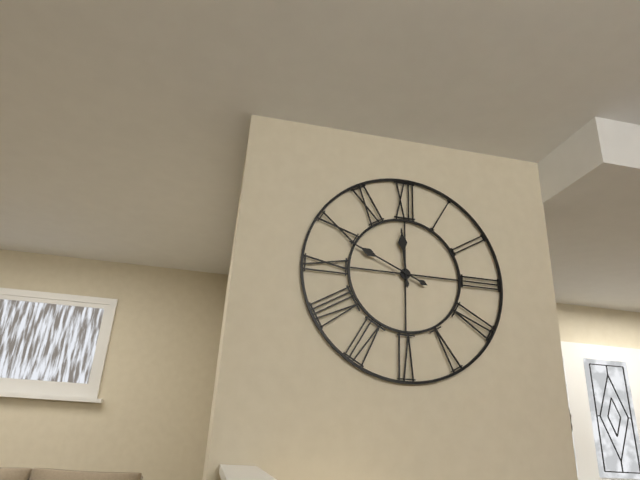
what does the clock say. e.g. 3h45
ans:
11h49
